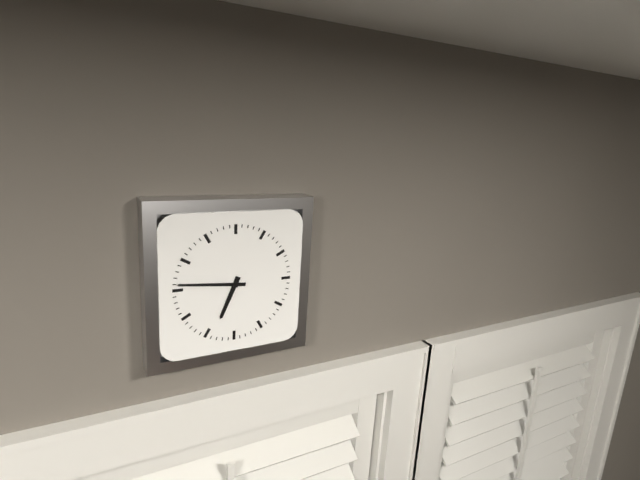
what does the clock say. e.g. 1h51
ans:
6h46
